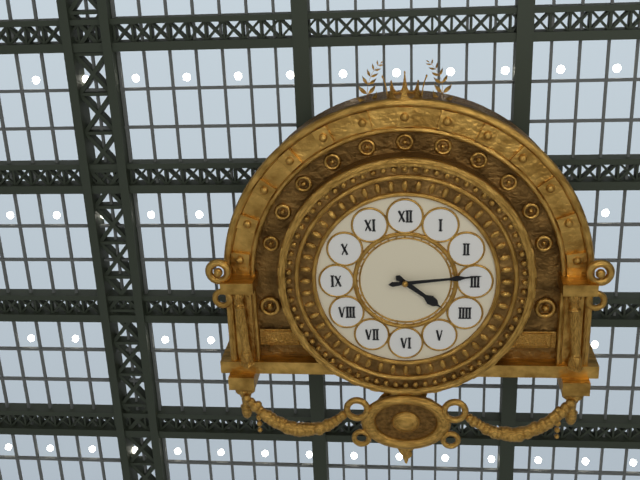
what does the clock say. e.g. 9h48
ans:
4h14
